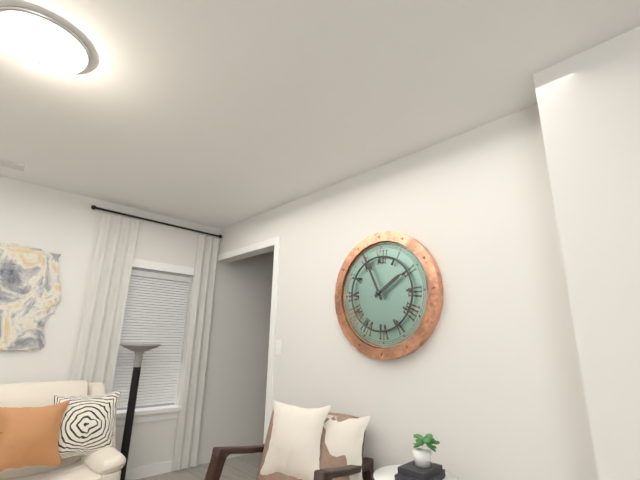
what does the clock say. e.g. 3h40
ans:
1h56
